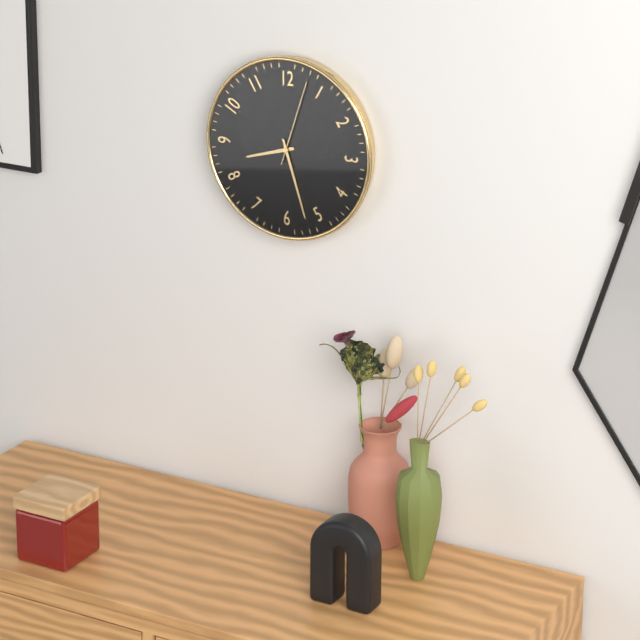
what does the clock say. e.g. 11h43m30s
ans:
8h27m03s
